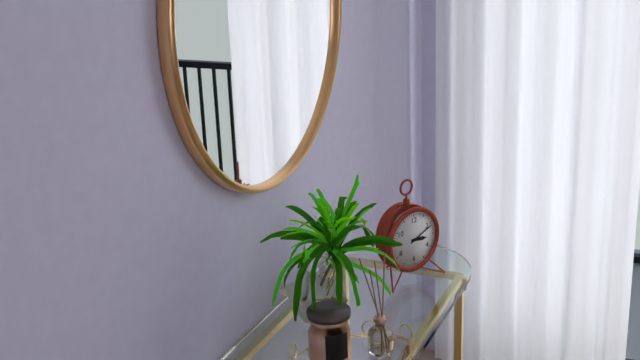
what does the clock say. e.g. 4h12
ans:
3h11
